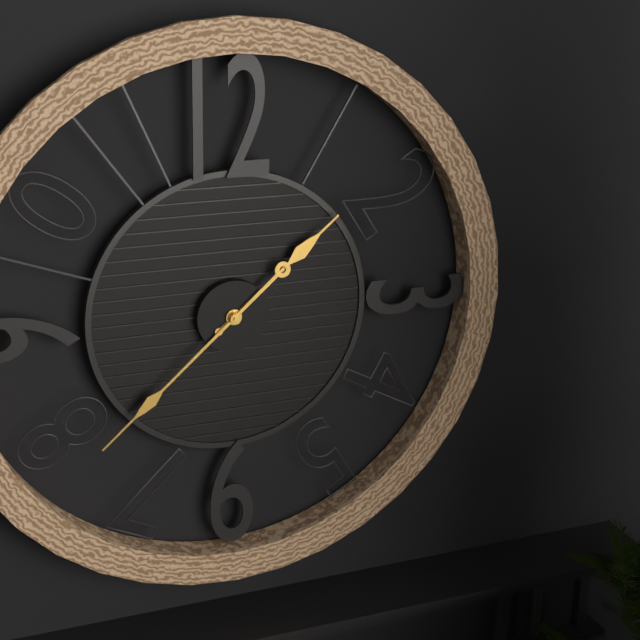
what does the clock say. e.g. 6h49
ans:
1h38
